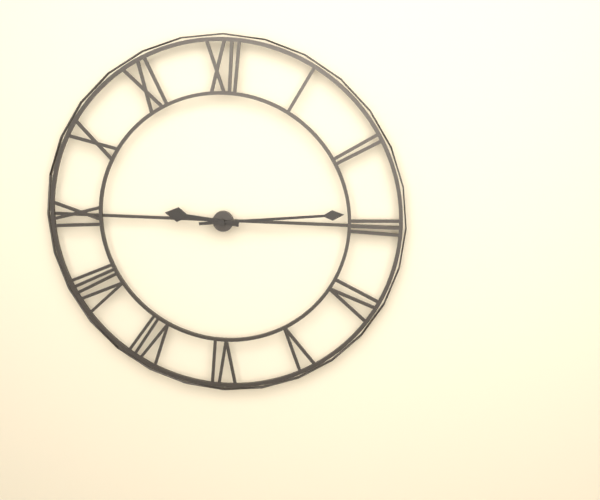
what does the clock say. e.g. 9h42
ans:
9h14
